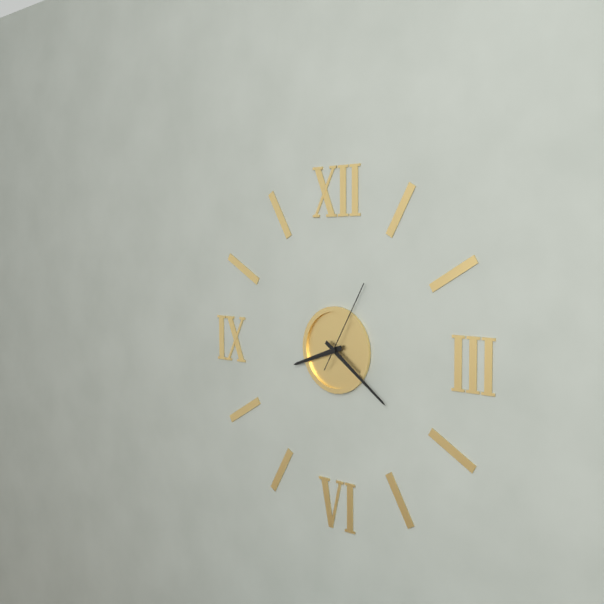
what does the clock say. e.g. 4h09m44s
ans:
8h21m05s
